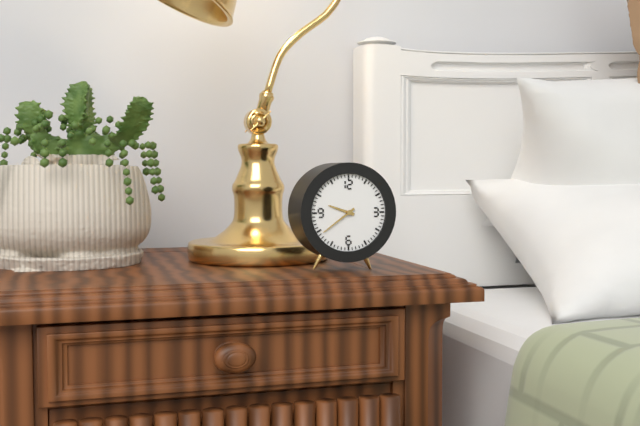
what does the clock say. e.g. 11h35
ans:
9h39
